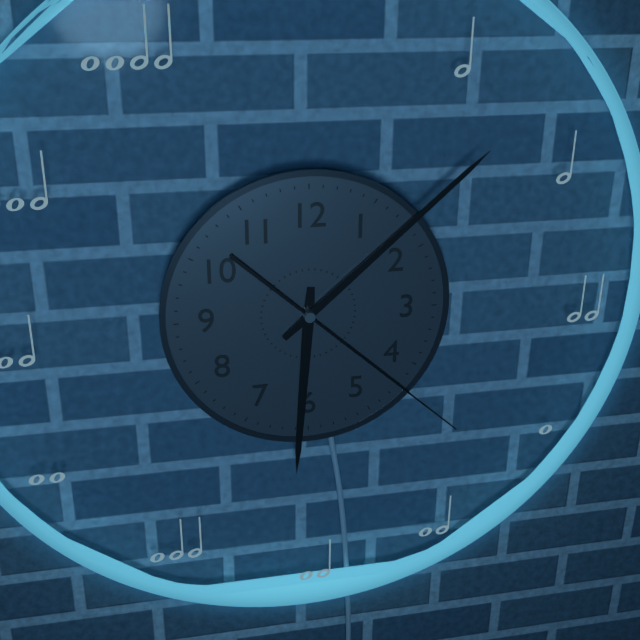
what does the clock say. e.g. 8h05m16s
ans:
6h08m22s
